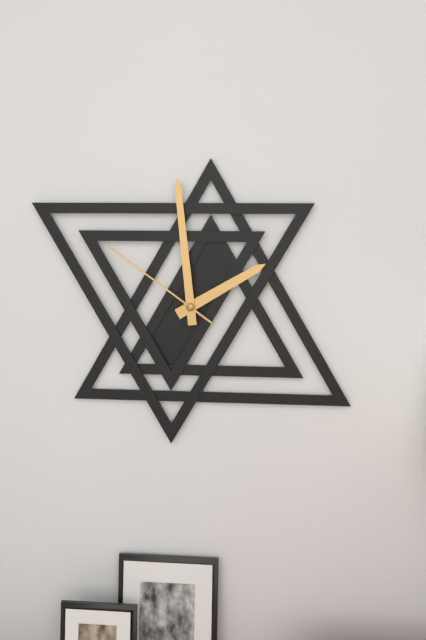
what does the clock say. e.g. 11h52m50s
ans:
1h59m51s
